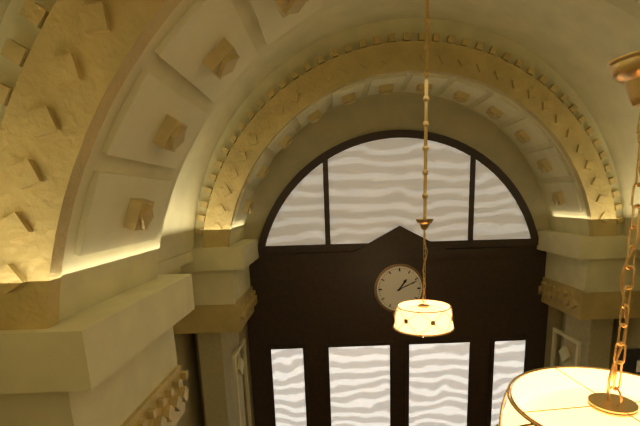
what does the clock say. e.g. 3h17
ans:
1h11
